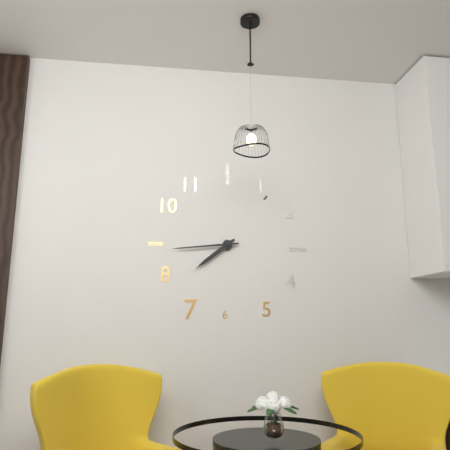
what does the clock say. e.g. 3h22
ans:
7h44
